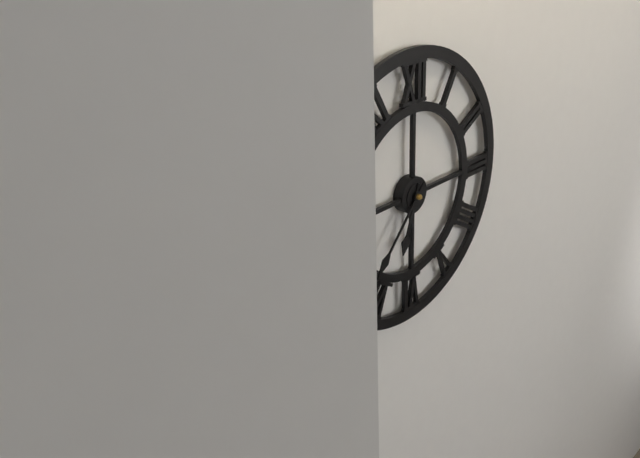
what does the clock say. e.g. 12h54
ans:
6h37
